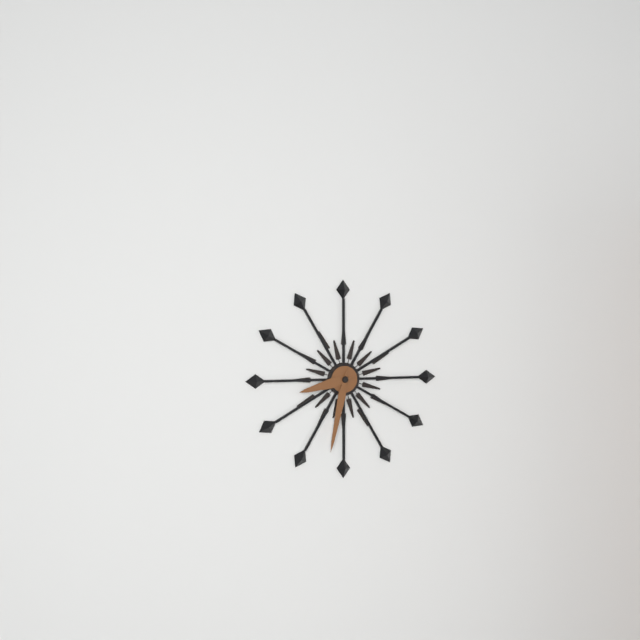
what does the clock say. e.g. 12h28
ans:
8h32
